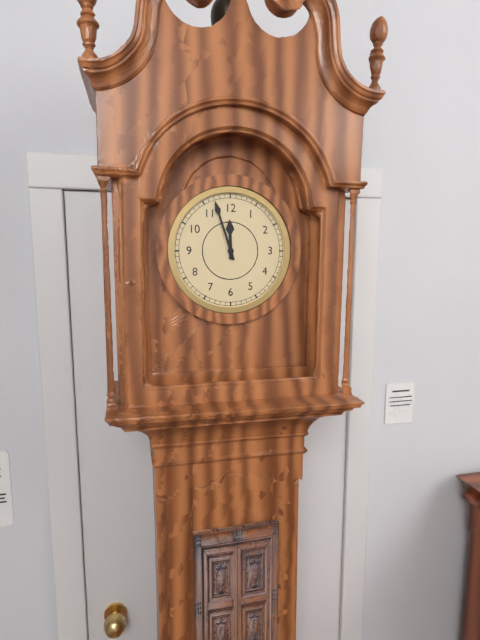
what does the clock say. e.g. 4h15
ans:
11h57
